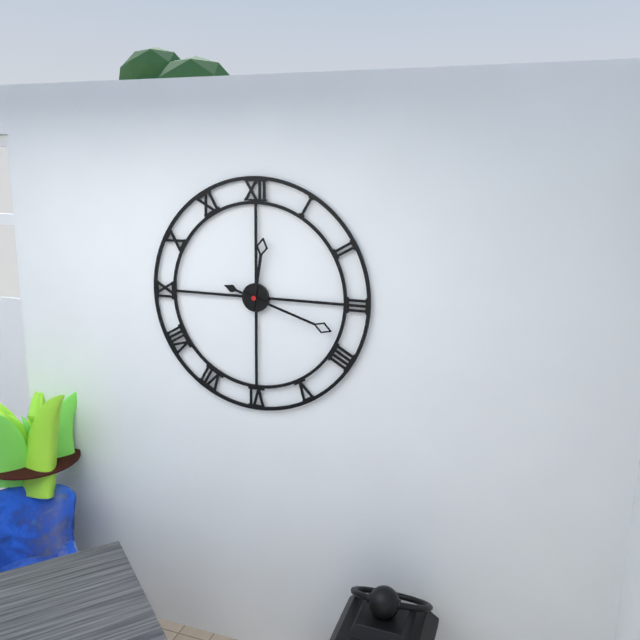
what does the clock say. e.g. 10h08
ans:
12h18
